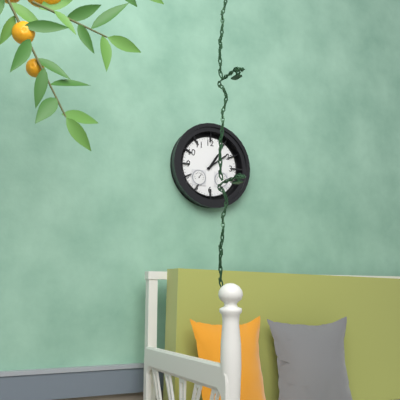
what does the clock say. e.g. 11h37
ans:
1h09
